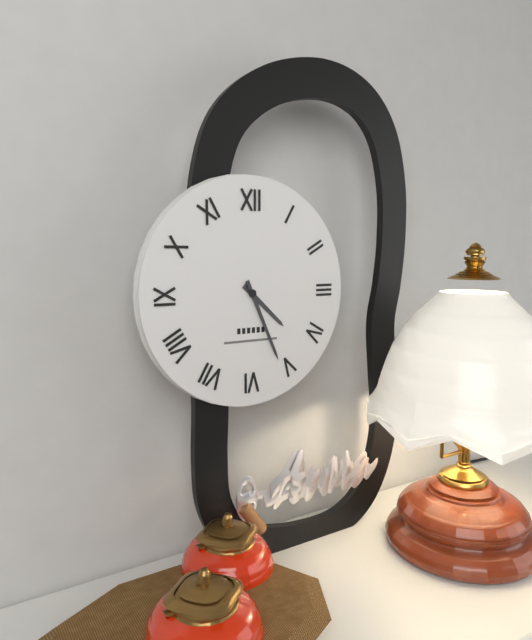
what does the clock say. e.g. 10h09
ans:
4h26
